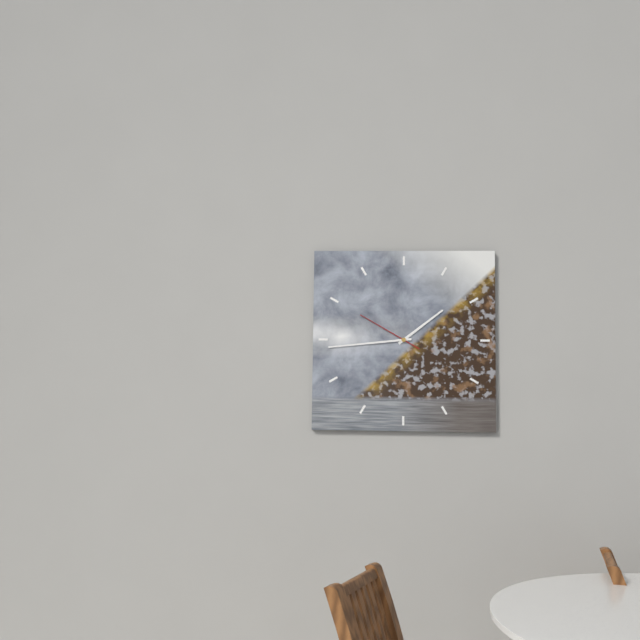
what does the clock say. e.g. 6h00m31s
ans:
1h44m50s
